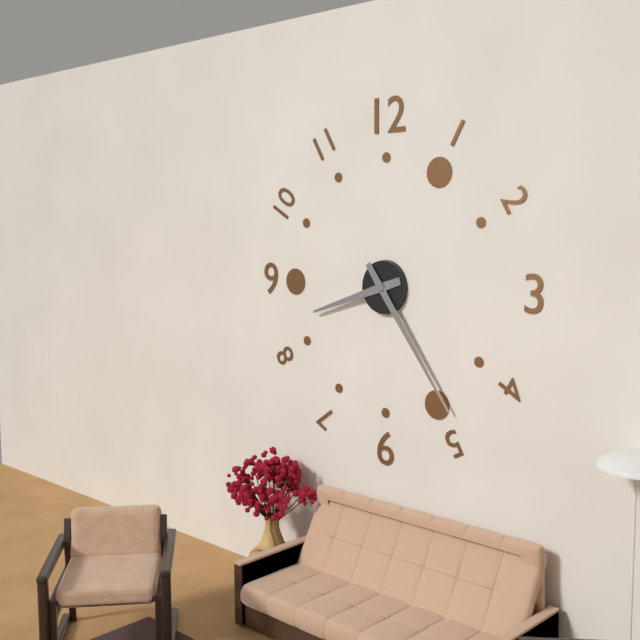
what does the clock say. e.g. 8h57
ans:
8h24
